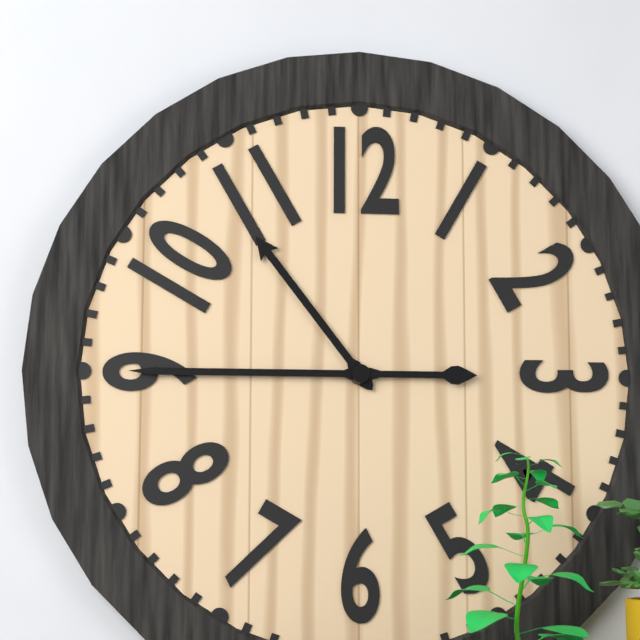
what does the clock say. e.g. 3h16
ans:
10h45
